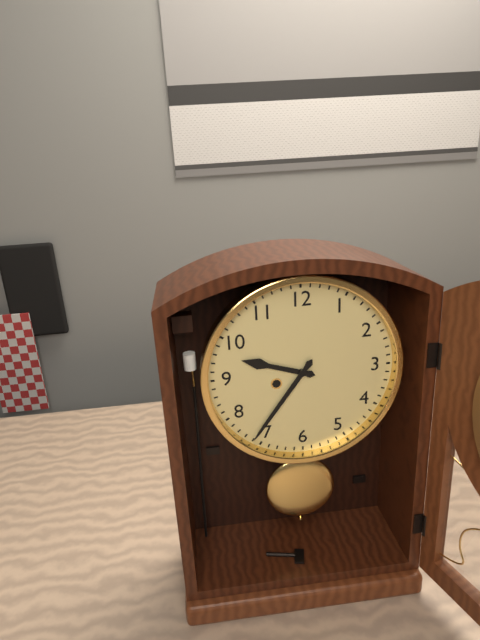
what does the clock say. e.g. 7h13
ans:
9h36
